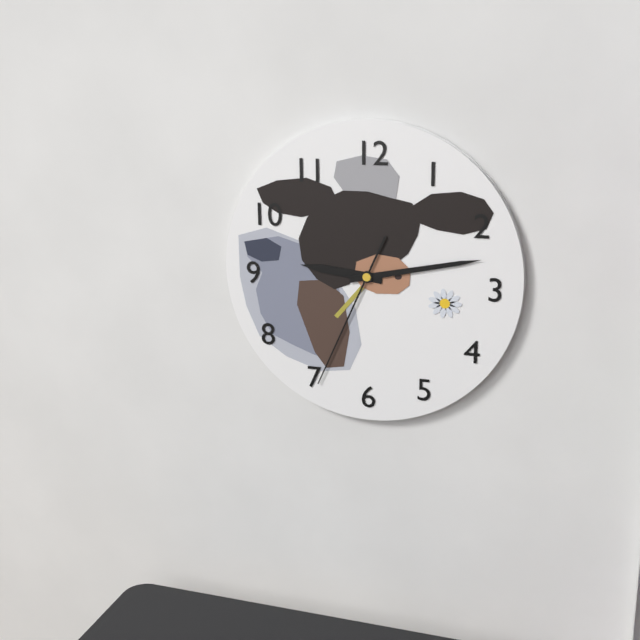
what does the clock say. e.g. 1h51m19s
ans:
9h13m34s
